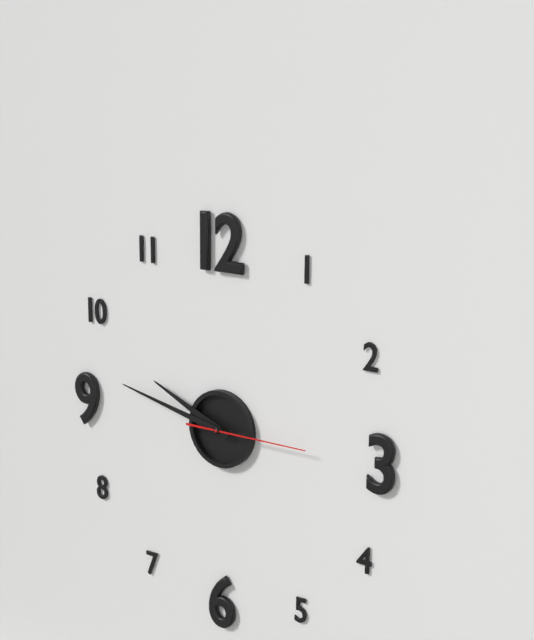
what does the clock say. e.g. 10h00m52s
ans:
9h47m15s
